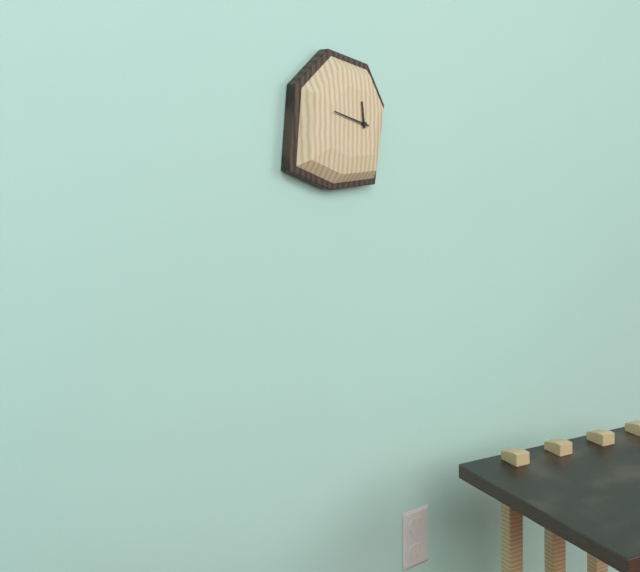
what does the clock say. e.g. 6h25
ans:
11h48
